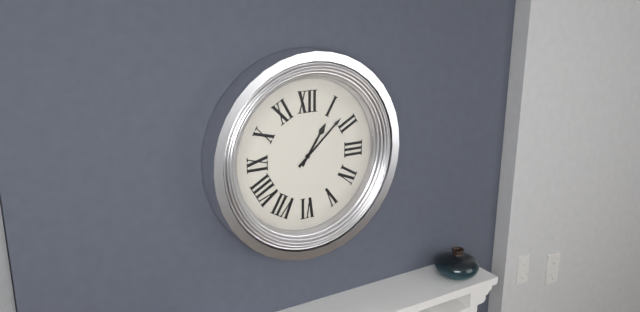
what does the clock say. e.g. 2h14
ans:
1h08
